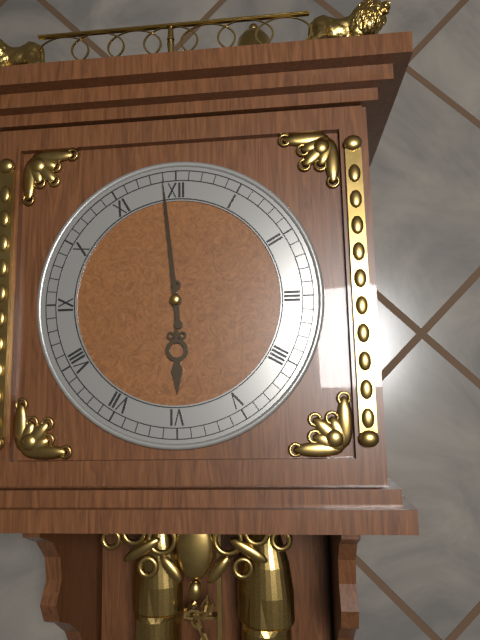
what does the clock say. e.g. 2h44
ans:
5h59
